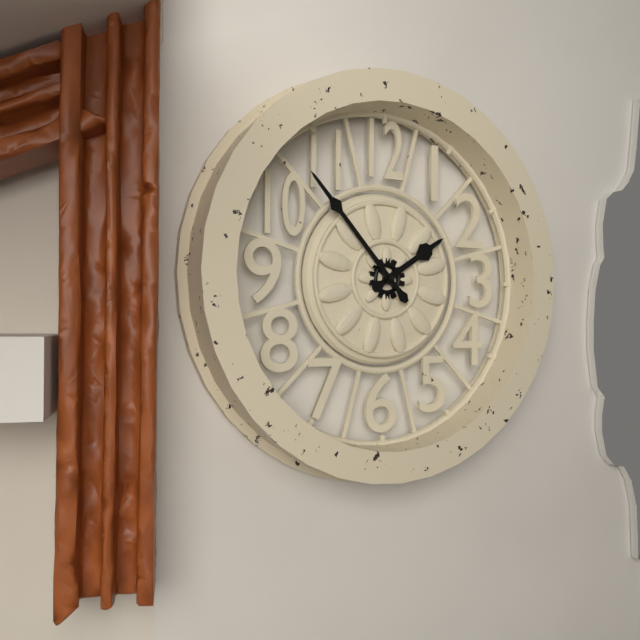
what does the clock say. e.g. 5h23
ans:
1h53
